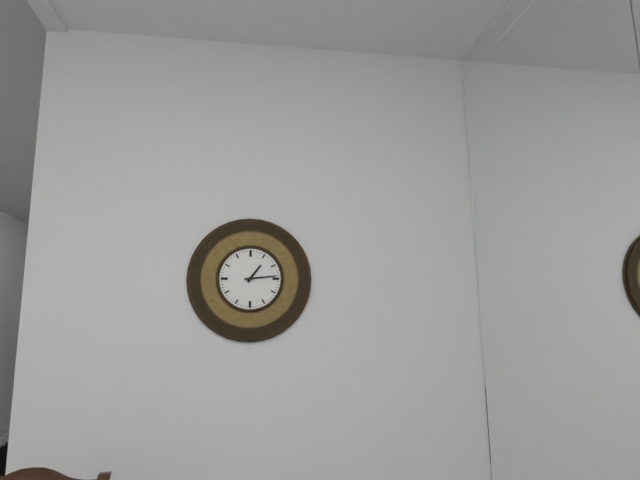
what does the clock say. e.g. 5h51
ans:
1h14
